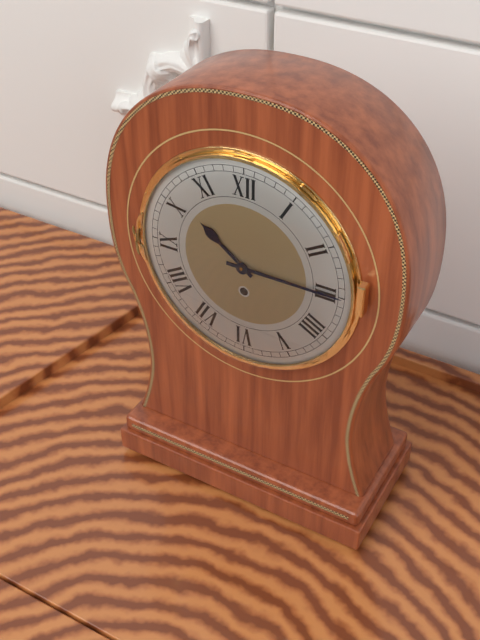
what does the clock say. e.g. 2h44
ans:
10h15
